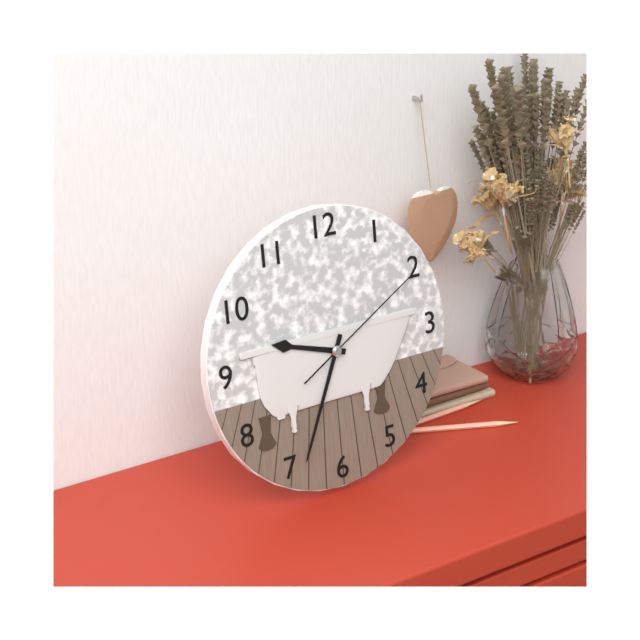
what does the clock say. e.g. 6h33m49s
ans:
9h34m10s
